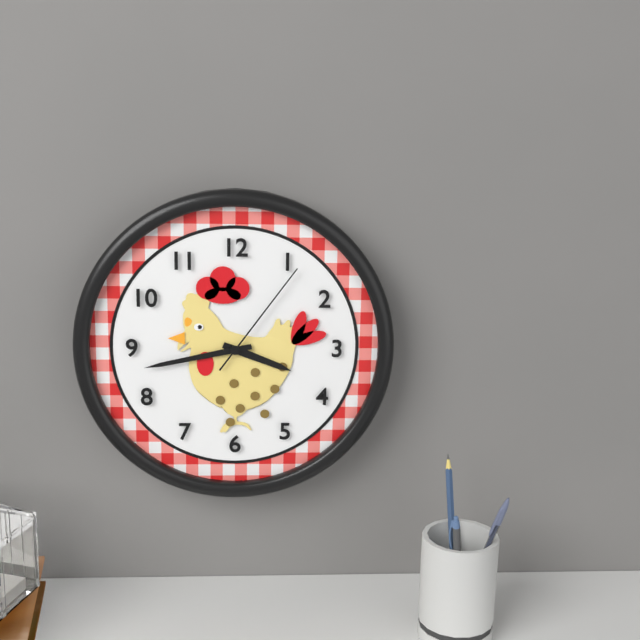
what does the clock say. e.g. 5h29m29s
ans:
3h43m06s
